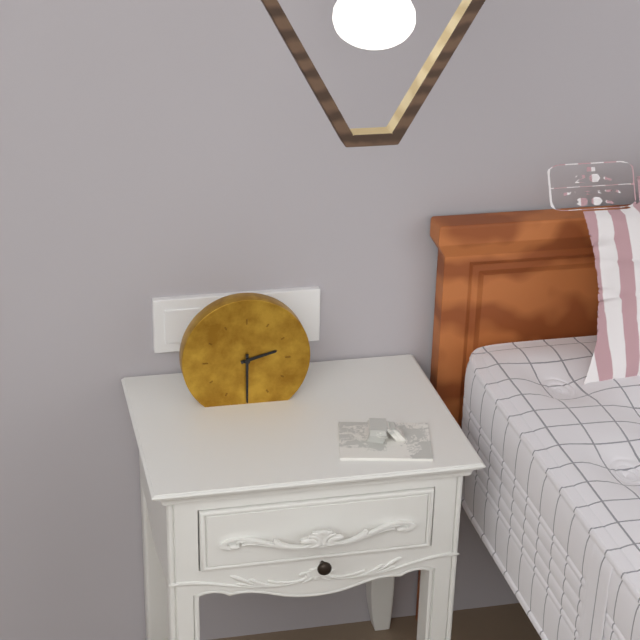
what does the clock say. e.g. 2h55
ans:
2h30
